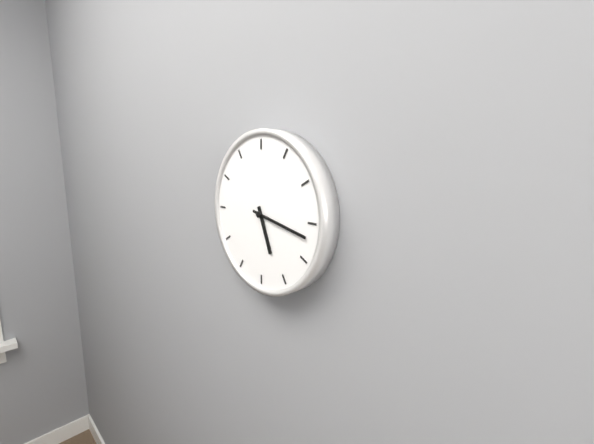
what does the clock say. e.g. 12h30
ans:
5h17
